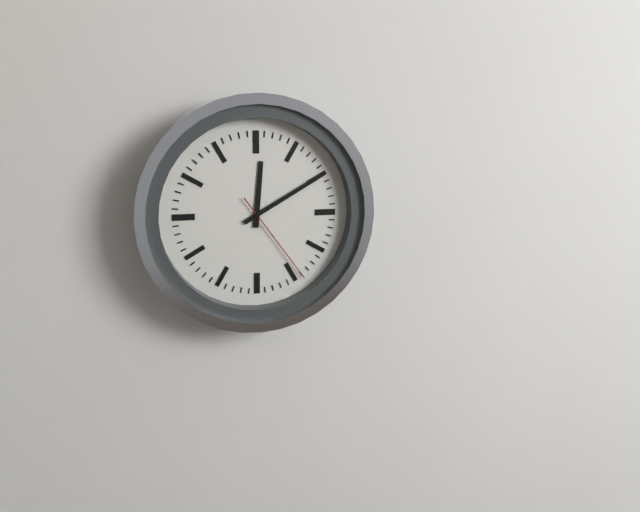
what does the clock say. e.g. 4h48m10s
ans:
12h10m24s
